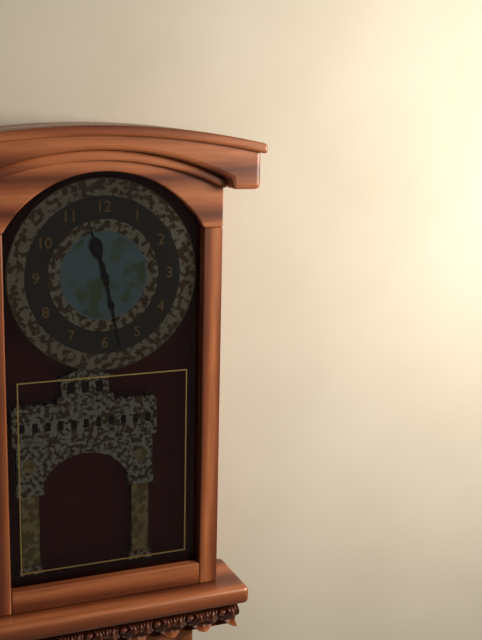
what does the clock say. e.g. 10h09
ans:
11h28
